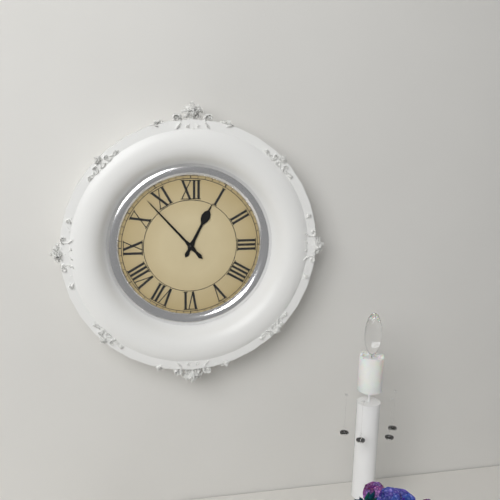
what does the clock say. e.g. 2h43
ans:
12h53
